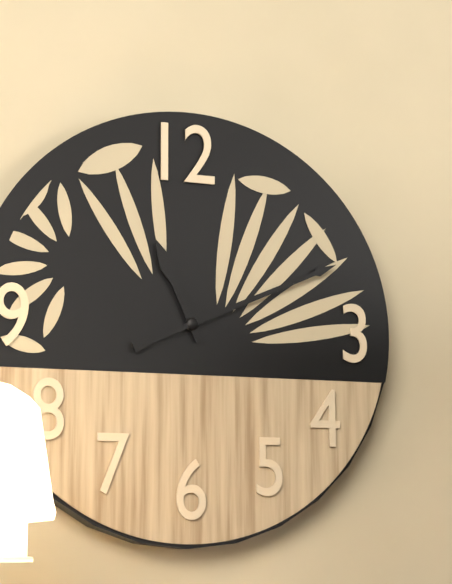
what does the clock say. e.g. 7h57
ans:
11h11
